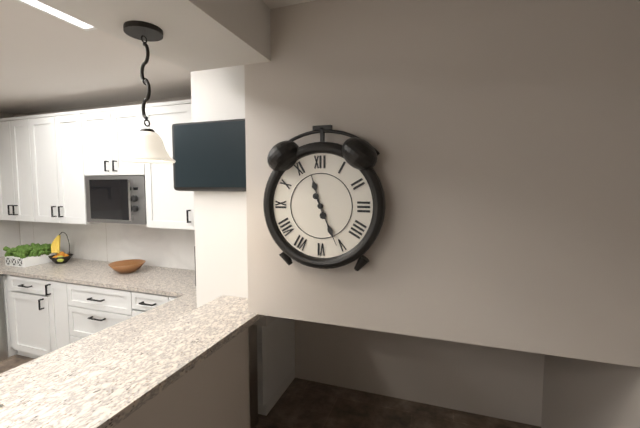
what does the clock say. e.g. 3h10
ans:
11h26
